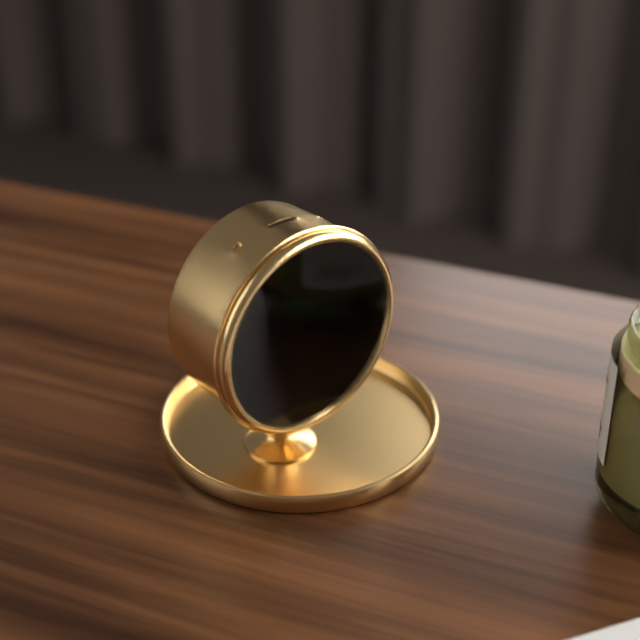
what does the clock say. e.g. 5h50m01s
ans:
3h27m16s
